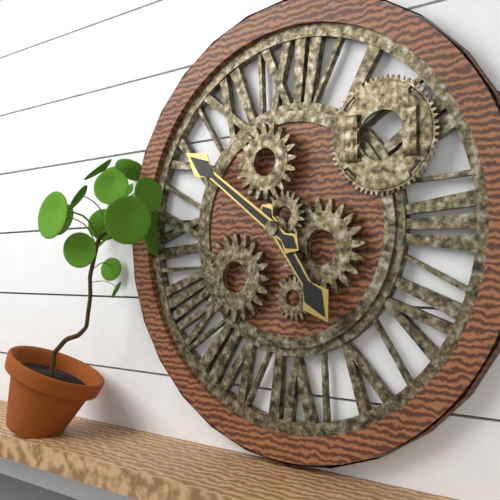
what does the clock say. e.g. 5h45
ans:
4h51
